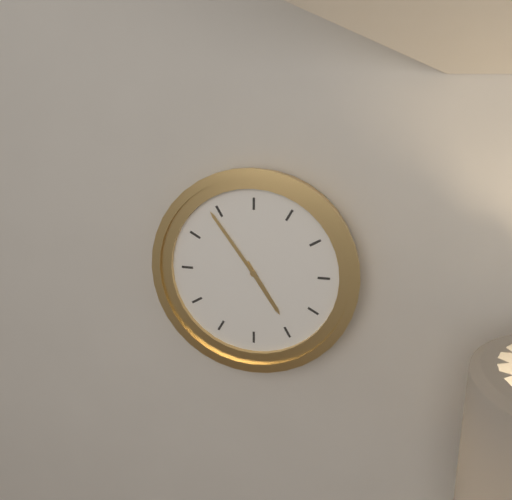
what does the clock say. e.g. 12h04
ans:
4h54
